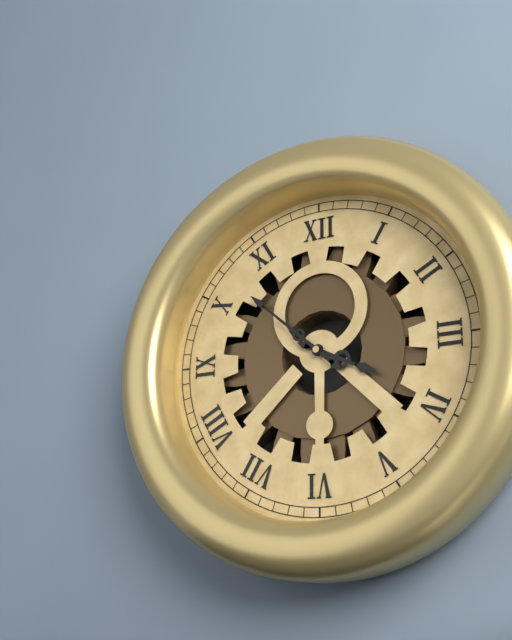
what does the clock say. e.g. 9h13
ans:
3h52
